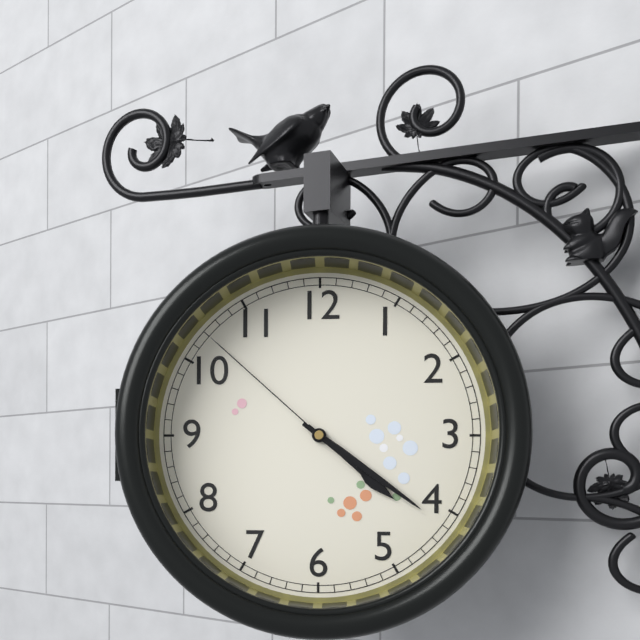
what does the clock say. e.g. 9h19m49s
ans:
4h21m52s
